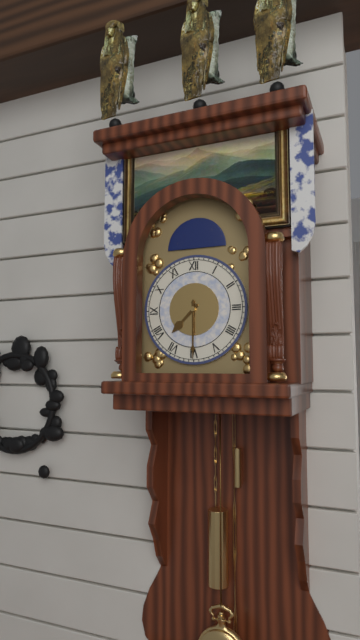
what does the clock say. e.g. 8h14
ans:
7h30
